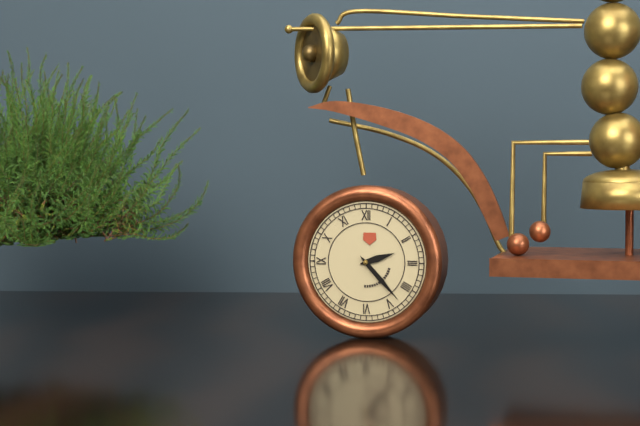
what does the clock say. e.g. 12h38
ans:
2h23
